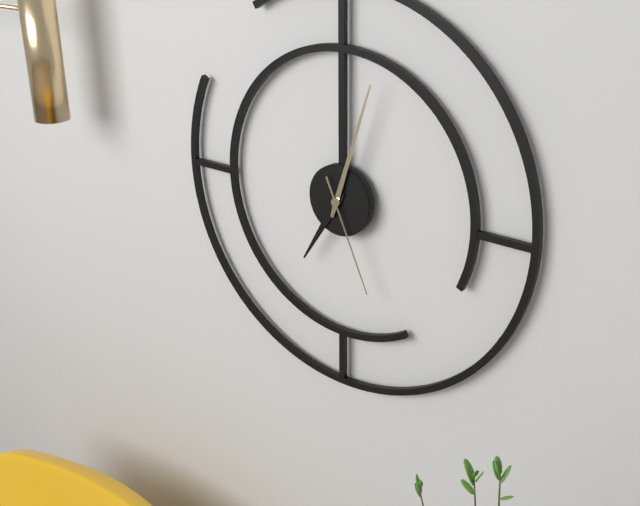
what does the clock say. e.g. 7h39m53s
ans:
7h03m26s
